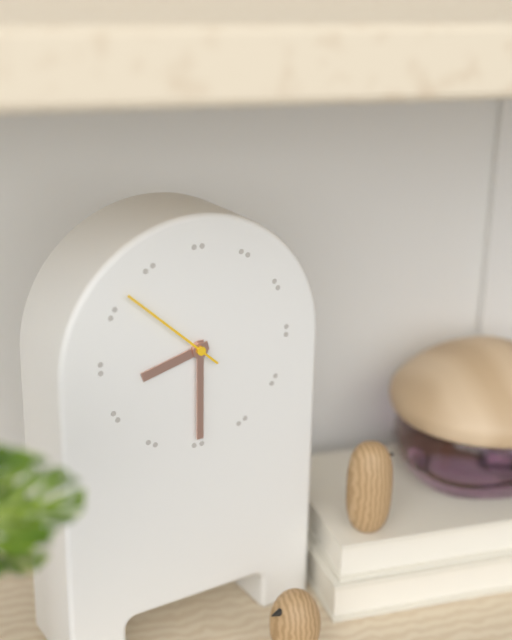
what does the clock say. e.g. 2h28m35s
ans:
8h30m52s
